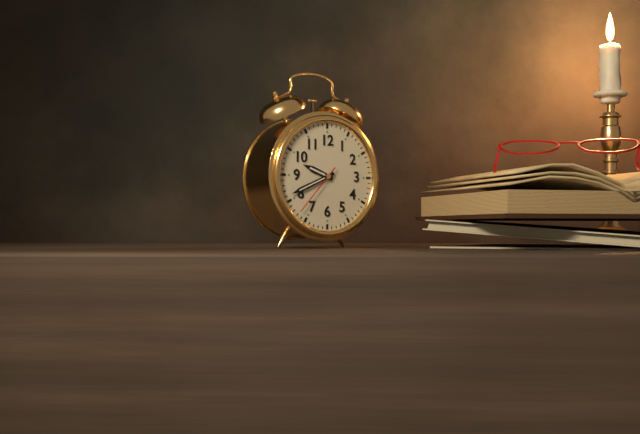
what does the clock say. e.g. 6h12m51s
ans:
9h41m37s
